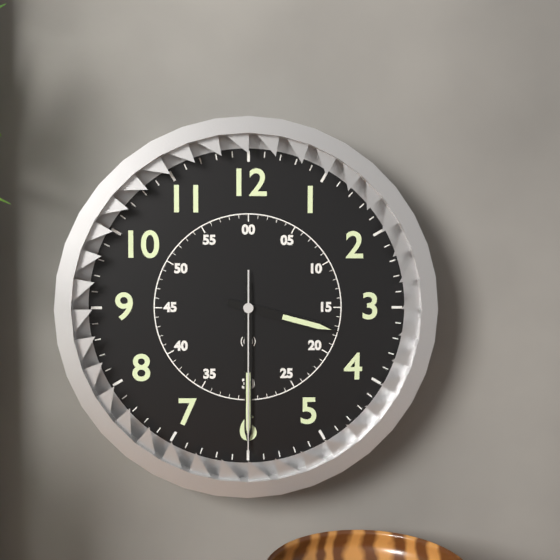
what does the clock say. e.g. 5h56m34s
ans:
3h30m30s
